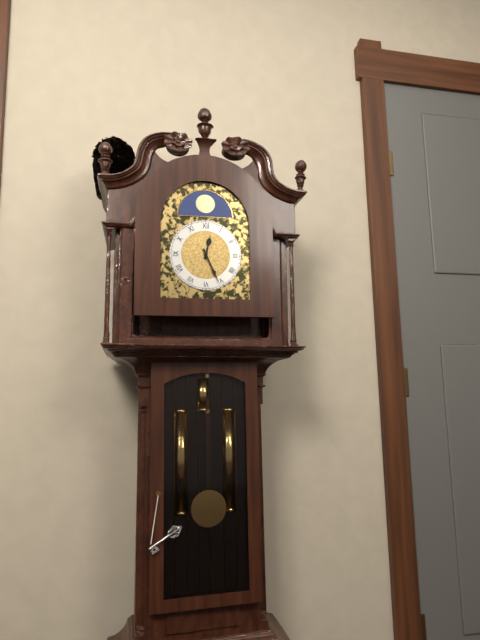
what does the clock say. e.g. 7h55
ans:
12h26
